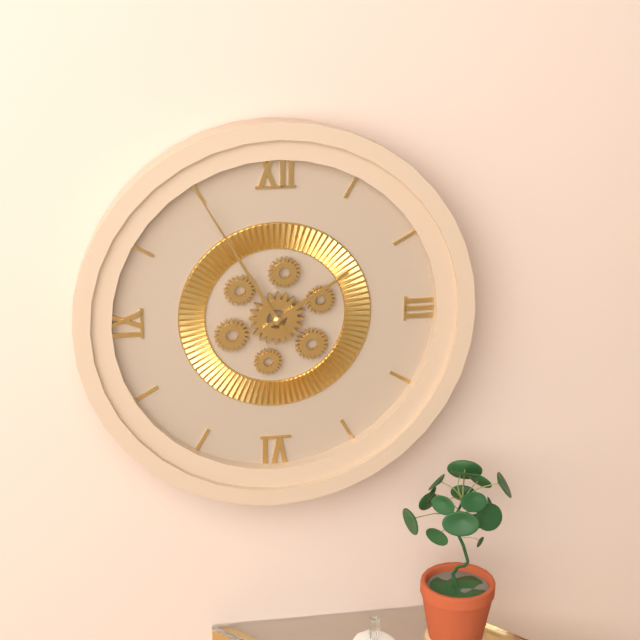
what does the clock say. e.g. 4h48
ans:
1h55
